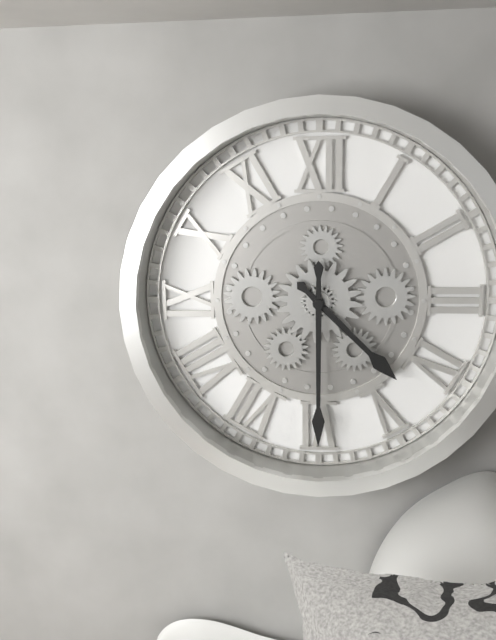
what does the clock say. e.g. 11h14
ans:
4h30
